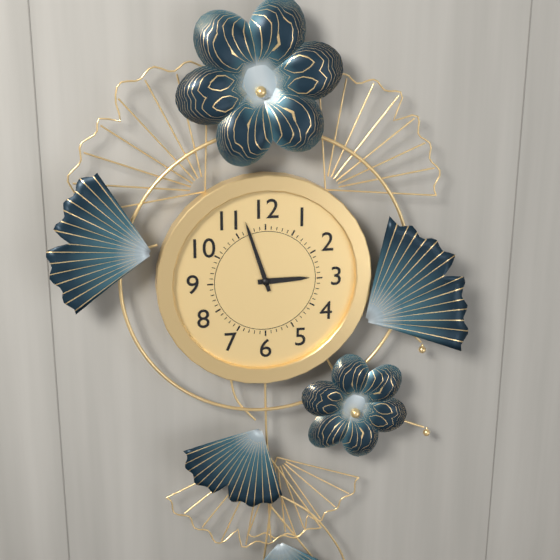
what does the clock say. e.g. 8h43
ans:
2h57
